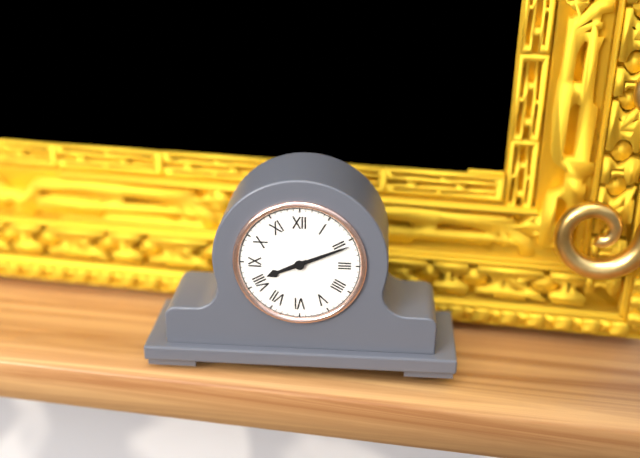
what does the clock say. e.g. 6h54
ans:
8h11
